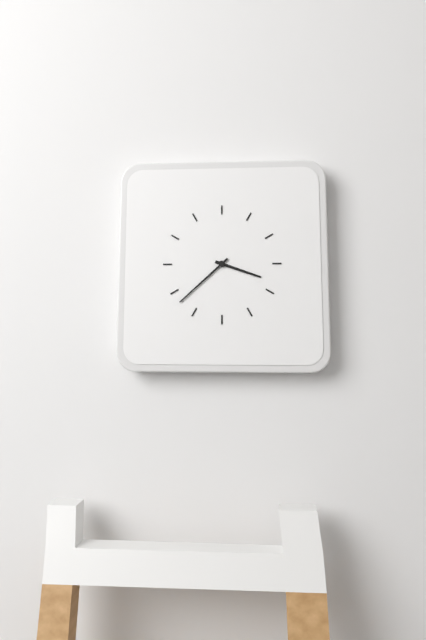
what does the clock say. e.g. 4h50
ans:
3h38
